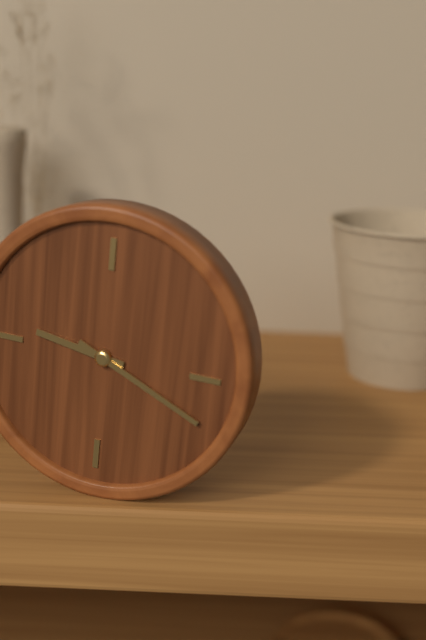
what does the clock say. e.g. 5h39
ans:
9h19
